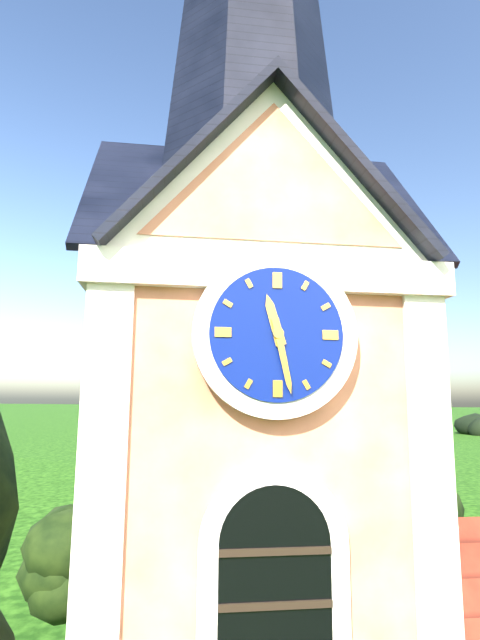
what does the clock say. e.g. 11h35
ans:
11h28
